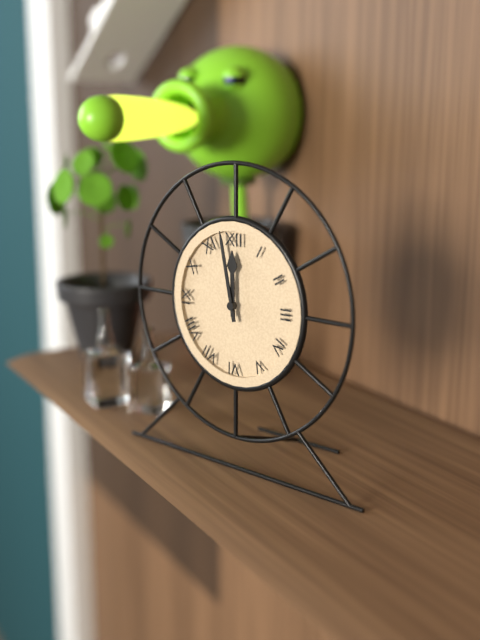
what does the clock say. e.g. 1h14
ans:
11h58
